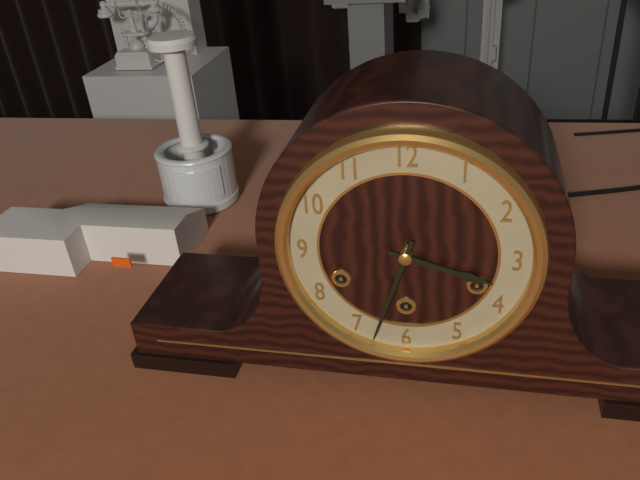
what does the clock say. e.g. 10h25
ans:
3h33
